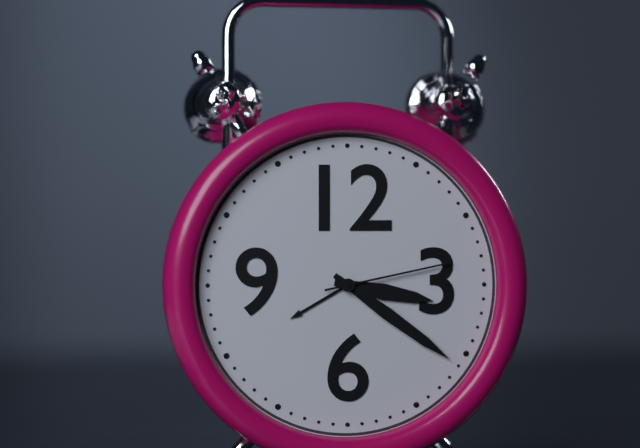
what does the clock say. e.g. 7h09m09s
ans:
3h21m13s
